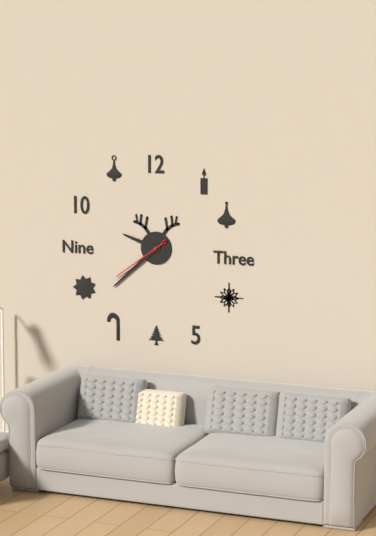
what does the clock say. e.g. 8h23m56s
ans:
9h38m39s
